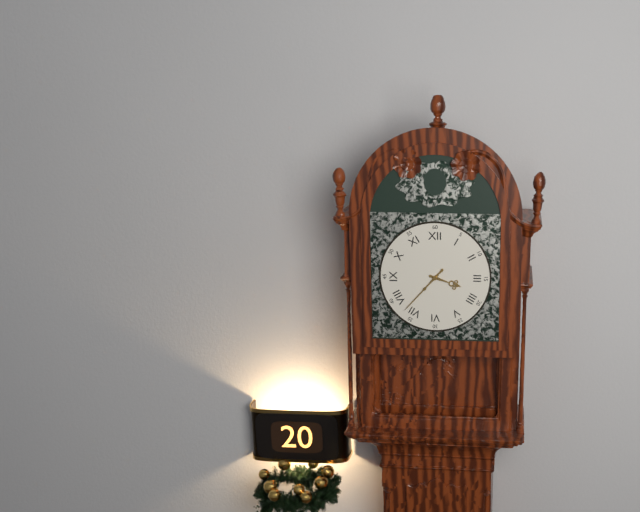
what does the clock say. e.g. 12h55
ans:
3h37
